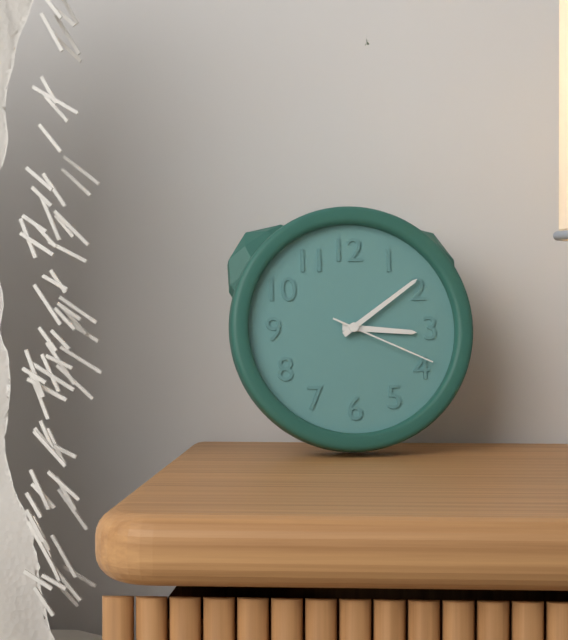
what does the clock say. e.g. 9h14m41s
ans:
3h09m19s
